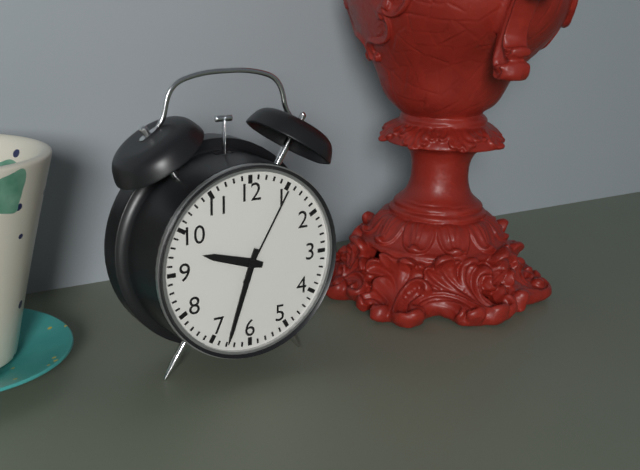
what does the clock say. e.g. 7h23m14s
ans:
9h33m05s
